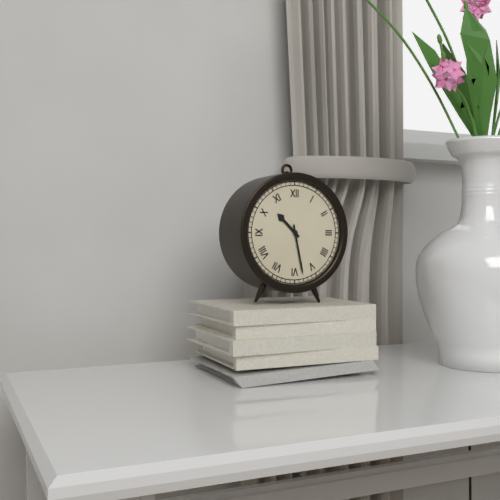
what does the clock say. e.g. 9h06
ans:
10h28
